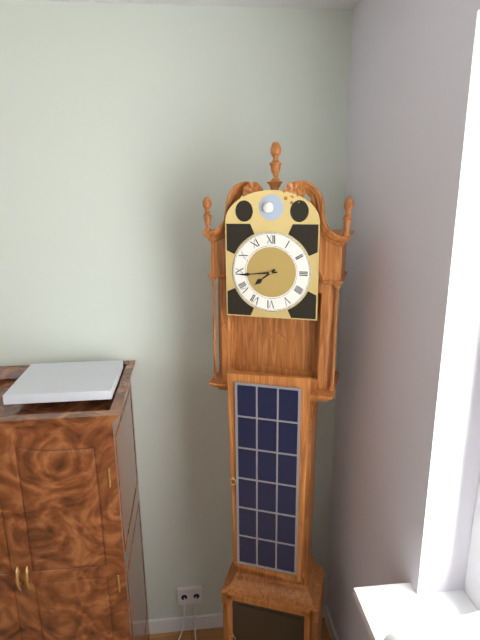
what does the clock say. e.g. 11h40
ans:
7h44
